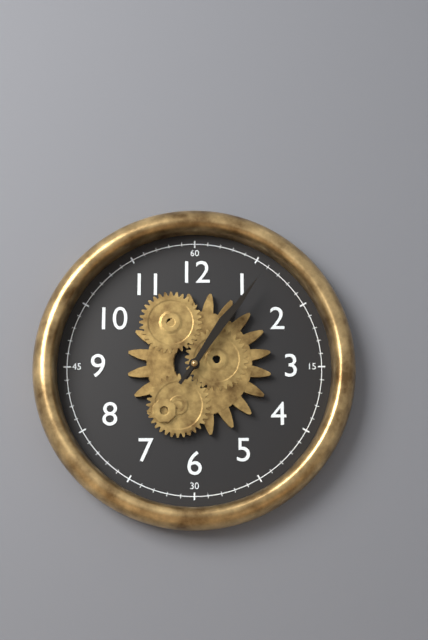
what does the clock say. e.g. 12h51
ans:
1h06
